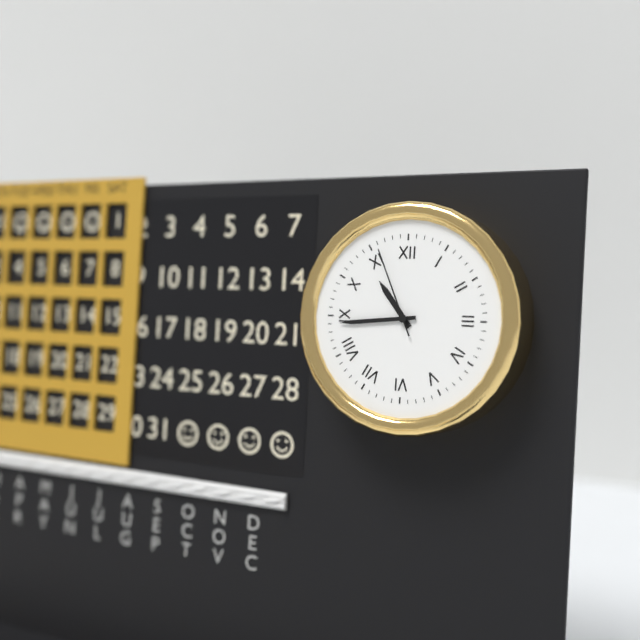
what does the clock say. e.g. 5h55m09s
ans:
10h44m56s
